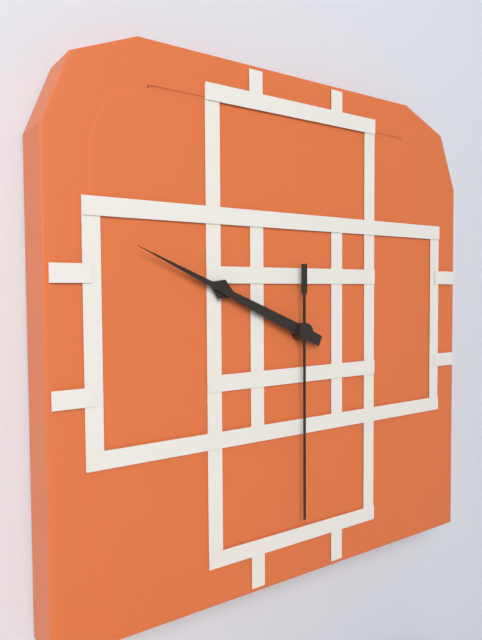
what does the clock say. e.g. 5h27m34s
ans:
9h49m30s
